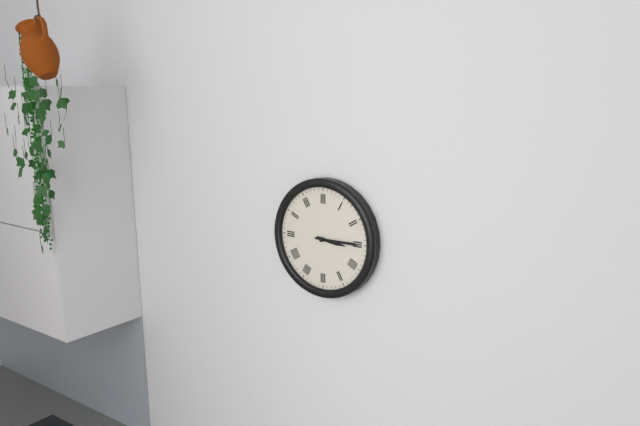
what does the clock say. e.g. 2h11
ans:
3h15
